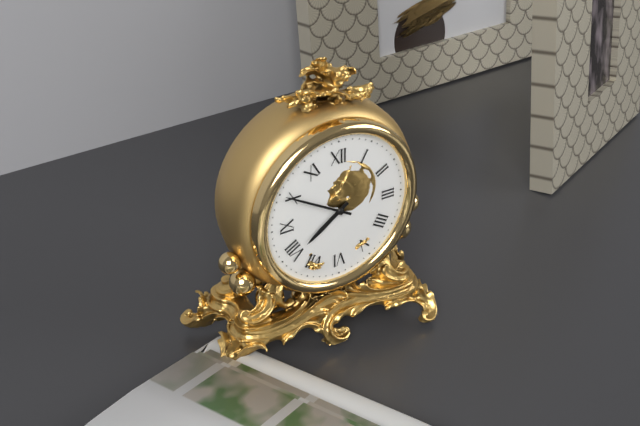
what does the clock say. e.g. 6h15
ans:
7h50
